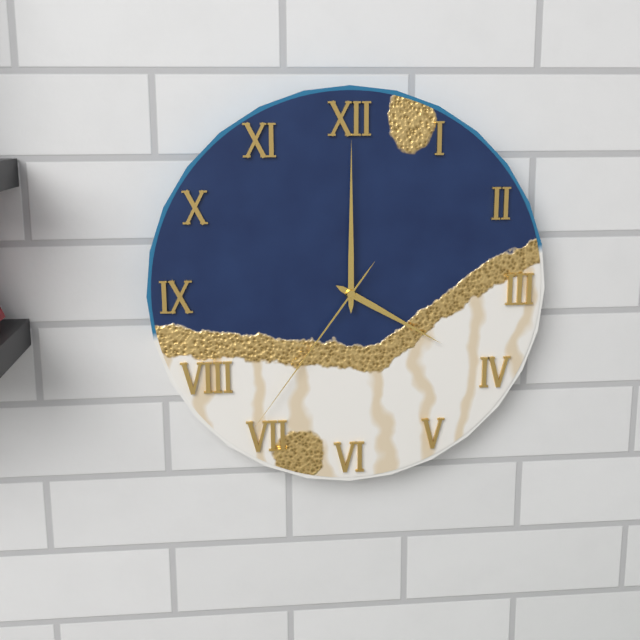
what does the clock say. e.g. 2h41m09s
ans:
4h00m36s
